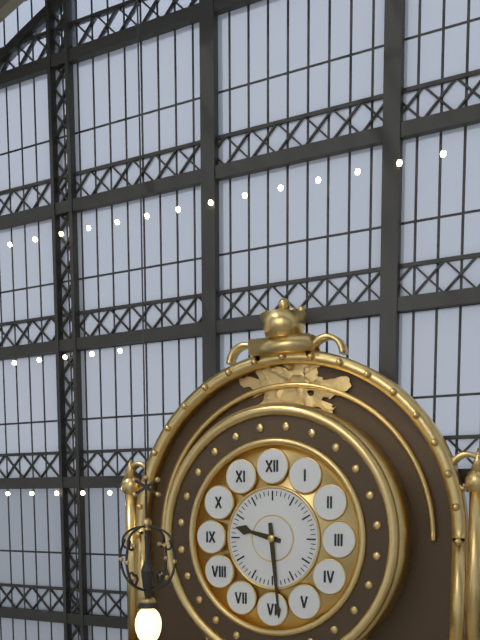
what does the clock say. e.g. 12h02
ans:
9h29
